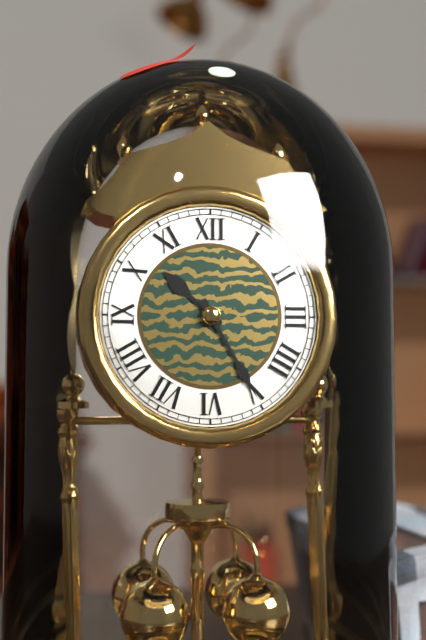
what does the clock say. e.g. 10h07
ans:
10h25
